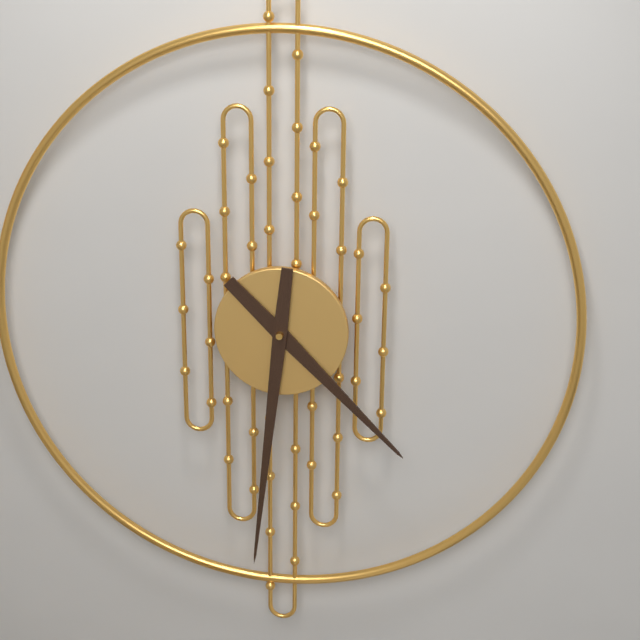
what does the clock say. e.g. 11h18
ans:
4h31
